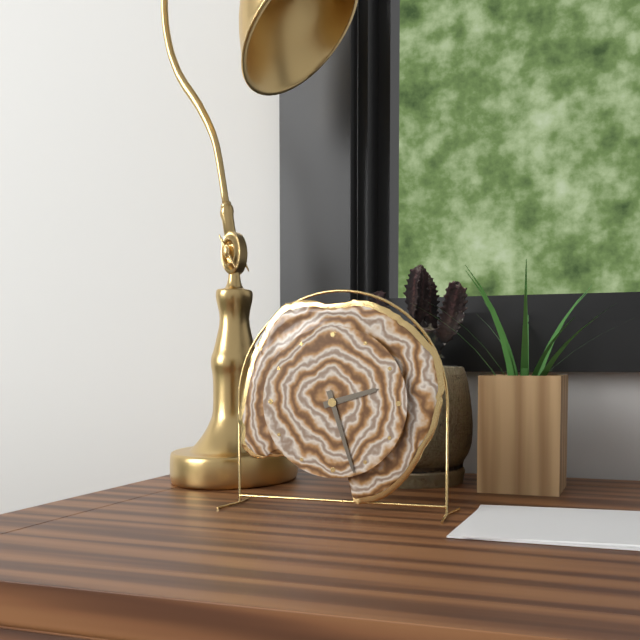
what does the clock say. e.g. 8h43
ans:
2h27
